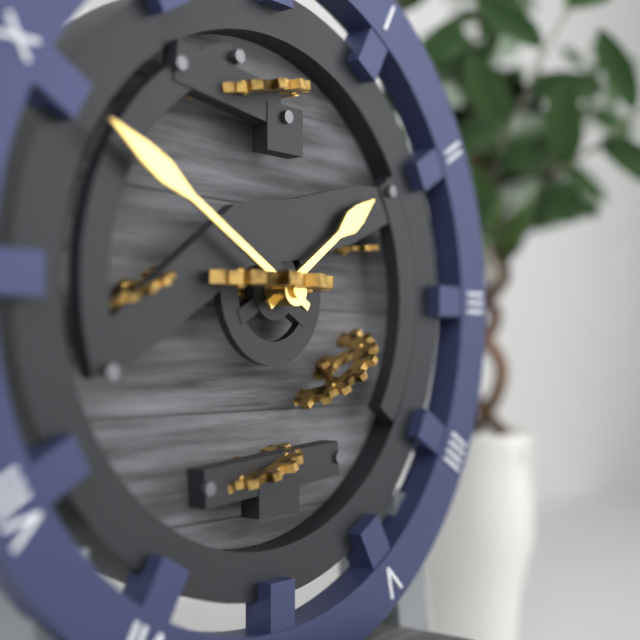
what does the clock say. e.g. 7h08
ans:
1h50
